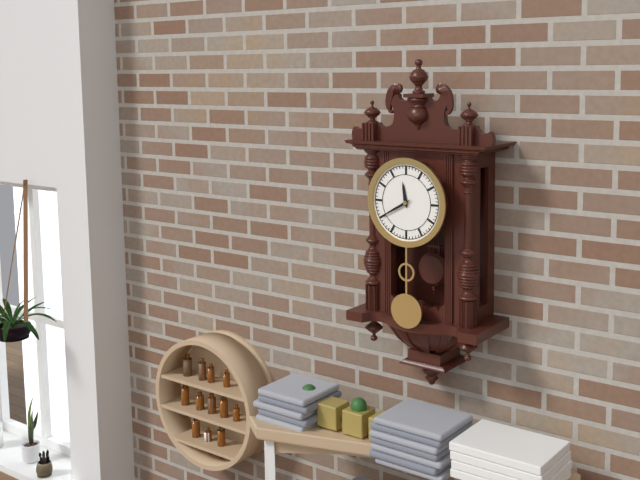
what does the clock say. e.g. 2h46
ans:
11h40
